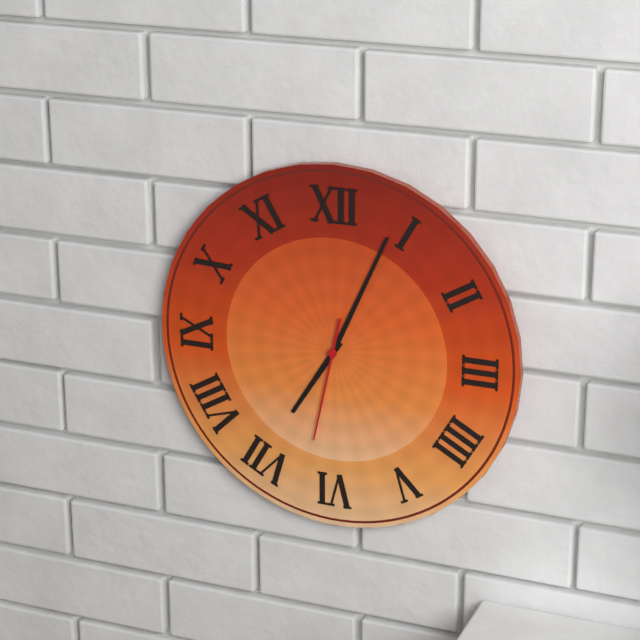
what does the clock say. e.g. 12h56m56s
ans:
7h04m32s
